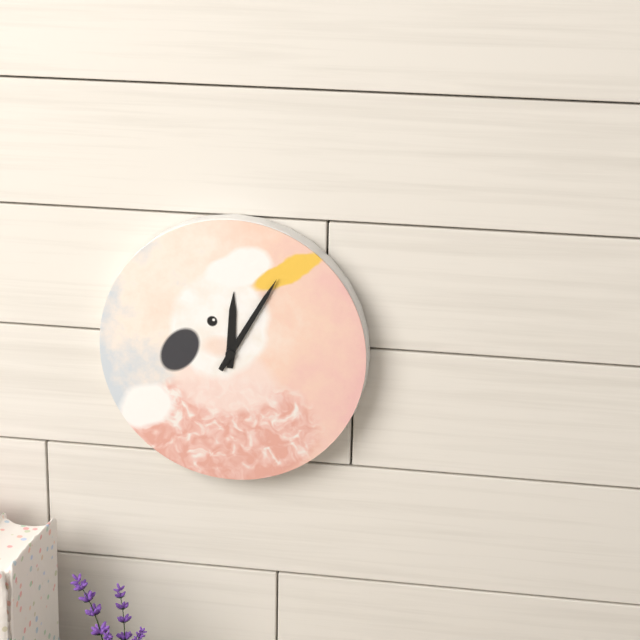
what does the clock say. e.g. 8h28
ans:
12h05
